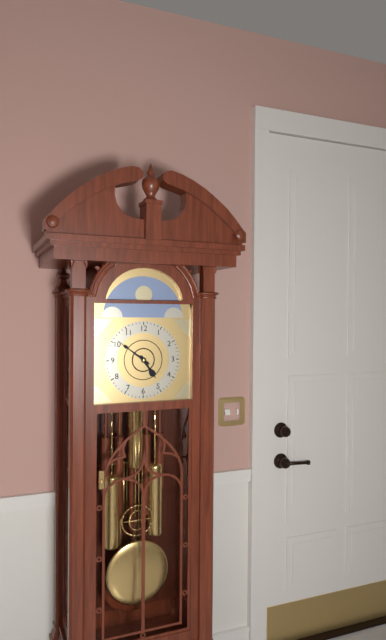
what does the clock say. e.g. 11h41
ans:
4h51
